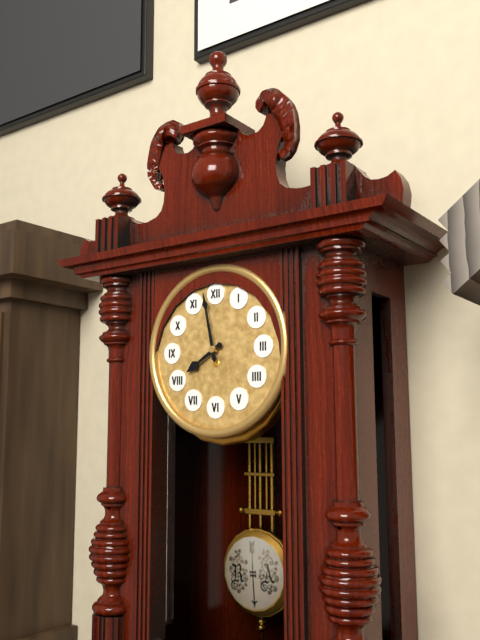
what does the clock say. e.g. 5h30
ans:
7h58
